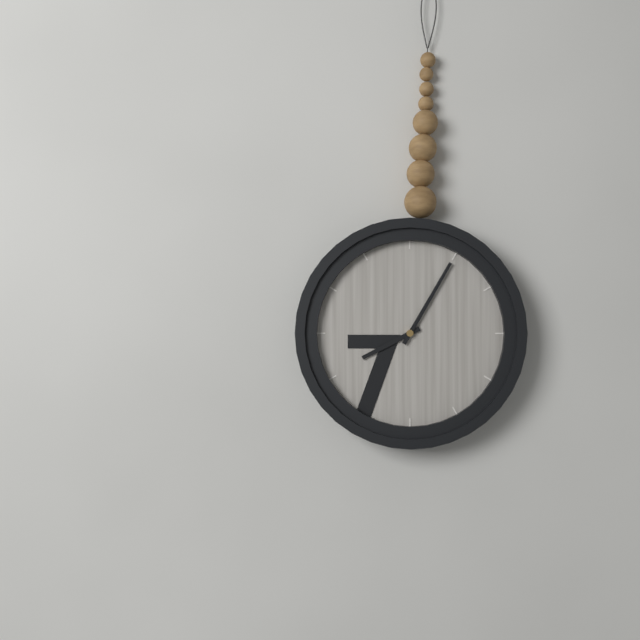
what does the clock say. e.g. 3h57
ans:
8h05
